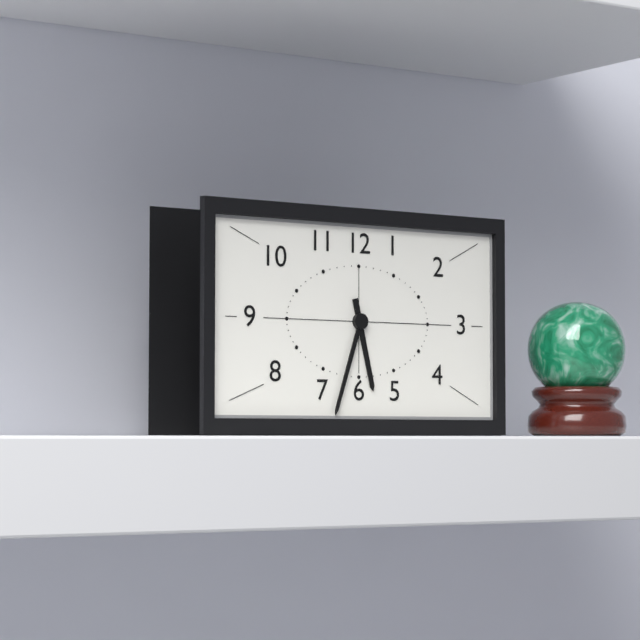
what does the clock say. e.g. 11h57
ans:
5h33
